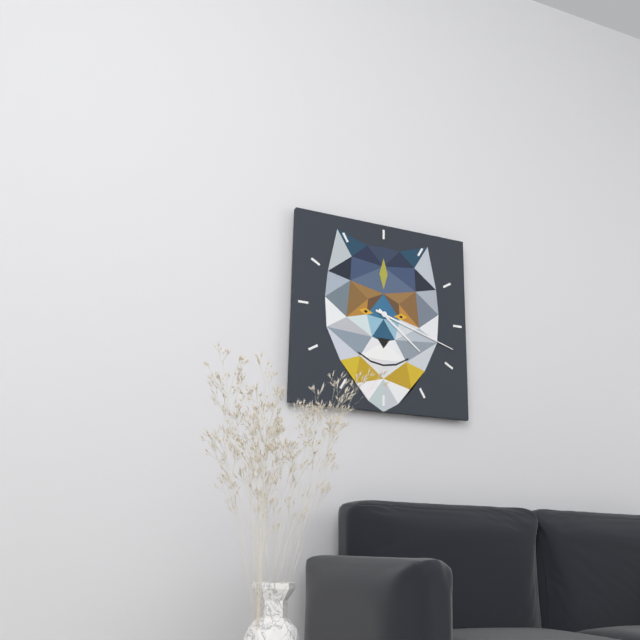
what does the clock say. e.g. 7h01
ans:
4h18
